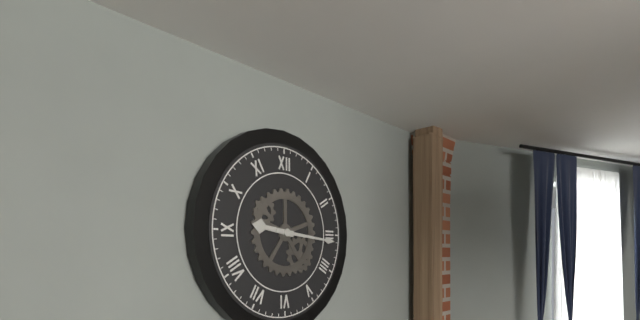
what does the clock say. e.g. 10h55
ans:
9h16
